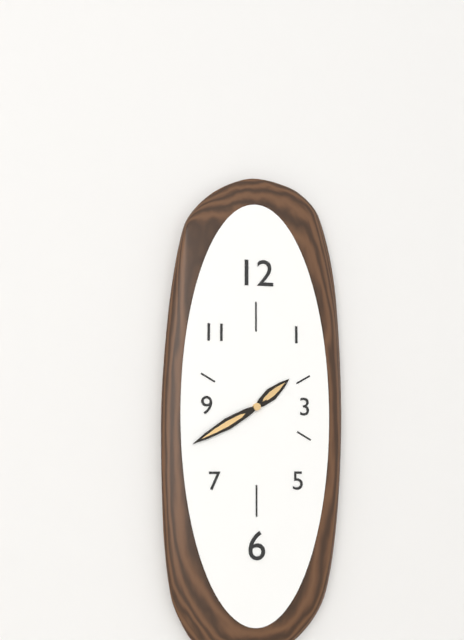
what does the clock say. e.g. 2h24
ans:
1h40
